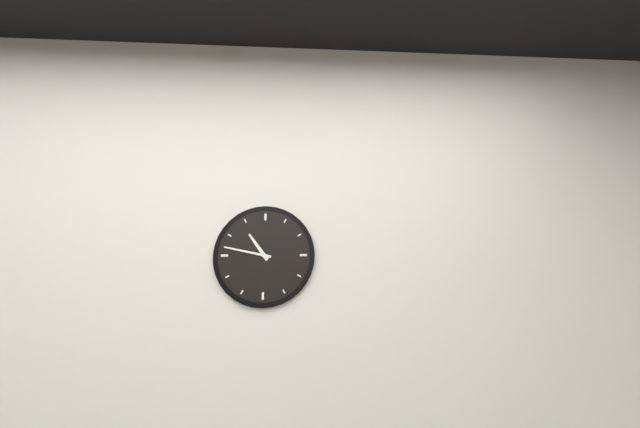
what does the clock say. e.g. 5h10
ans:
10h47
